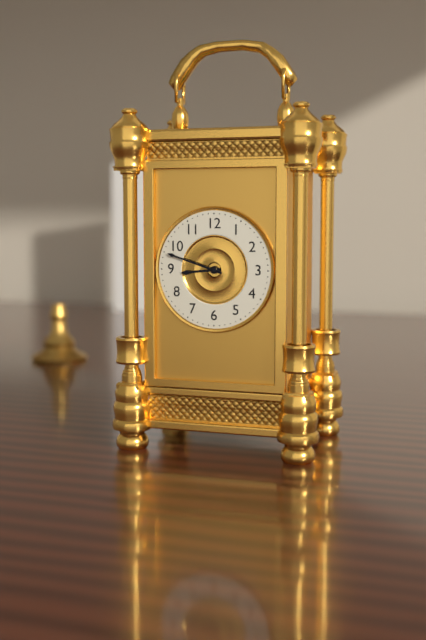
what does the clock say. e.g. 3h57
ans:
8h48
